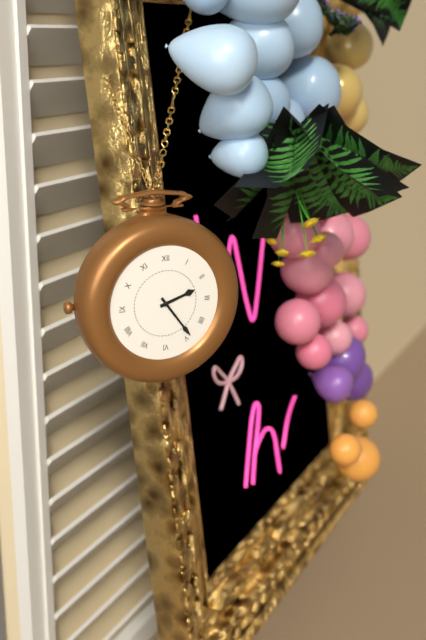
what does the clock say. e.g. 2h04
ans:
2h24
